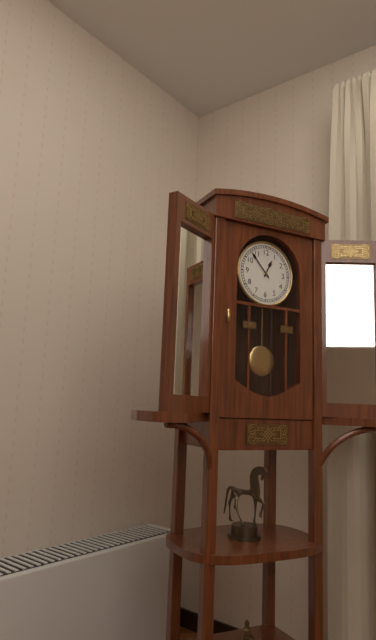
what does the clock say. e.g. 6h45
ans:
12h53
